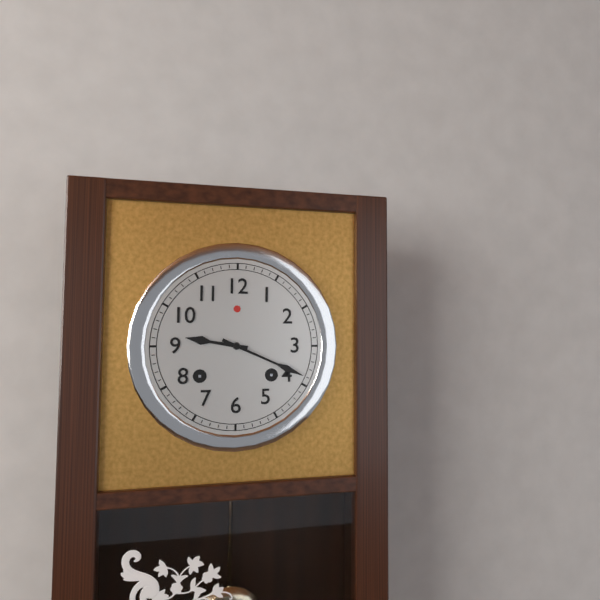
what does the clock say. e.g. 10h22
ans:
9h19
